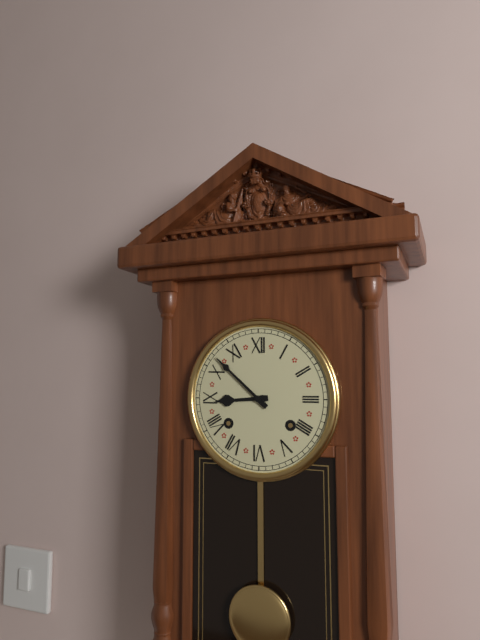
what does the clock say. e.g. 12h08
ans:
8h52
